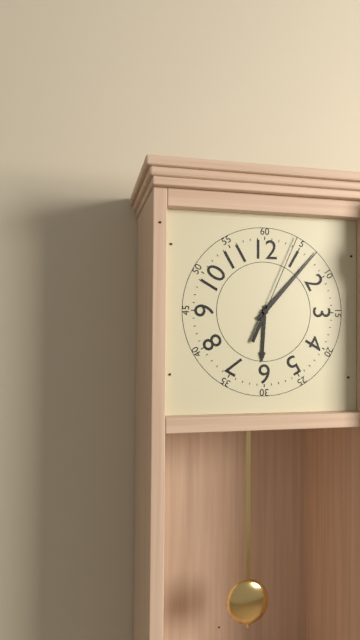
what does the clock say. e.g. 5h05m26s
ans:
6h07m04s
